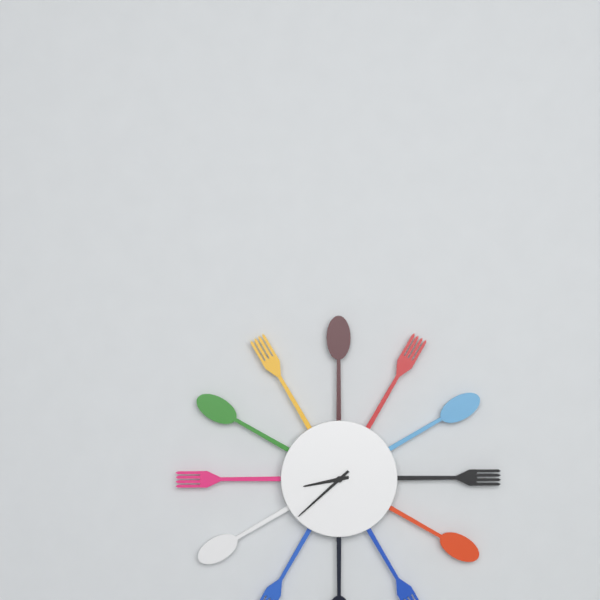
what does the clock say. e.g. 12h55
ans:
8h38
